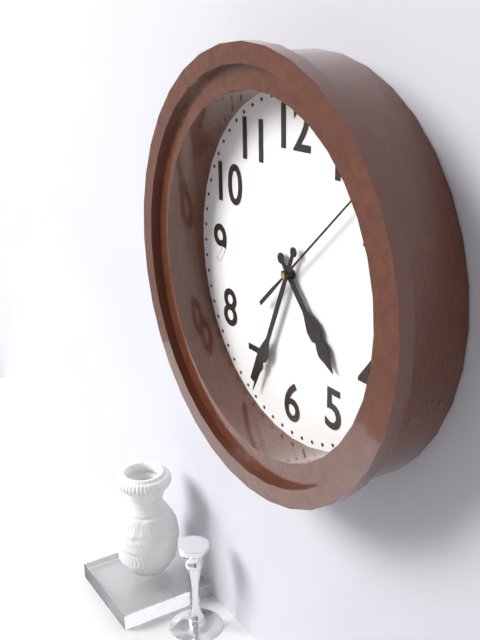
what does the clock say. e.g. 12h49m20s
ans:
4h34m08s
